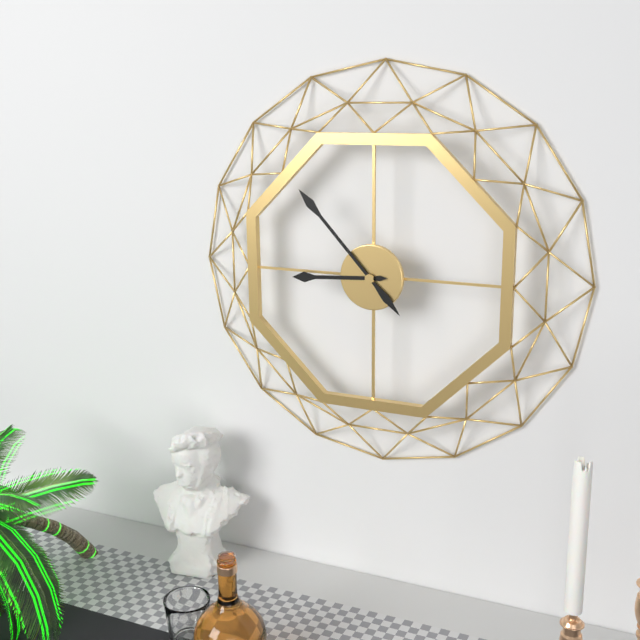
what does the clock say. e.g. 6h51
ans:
8h53
